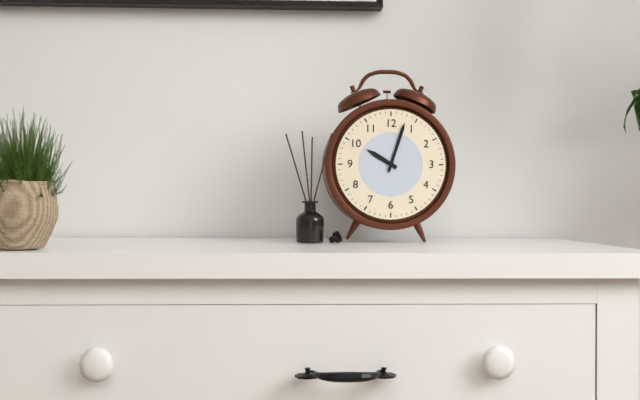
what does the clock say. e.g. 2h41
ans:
10h03
